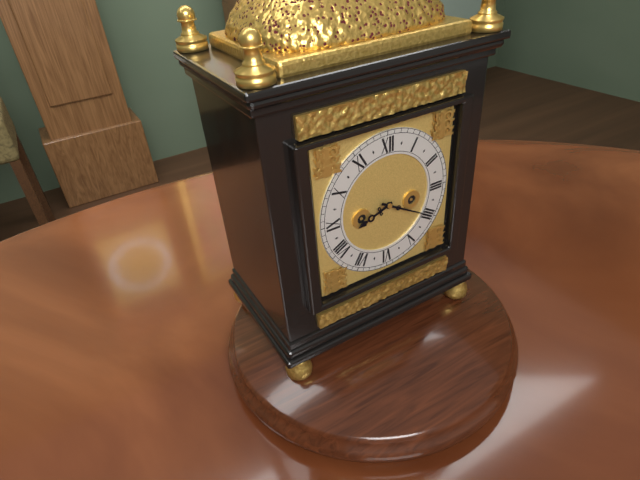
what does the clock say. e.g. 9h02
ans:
8h20
